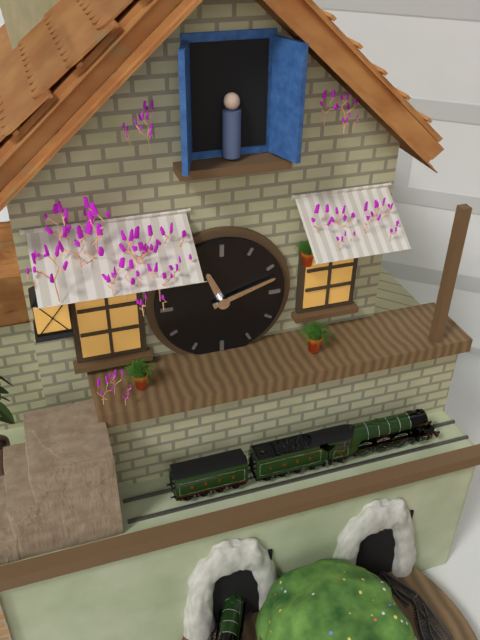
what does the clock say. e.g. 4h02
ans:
11h12
